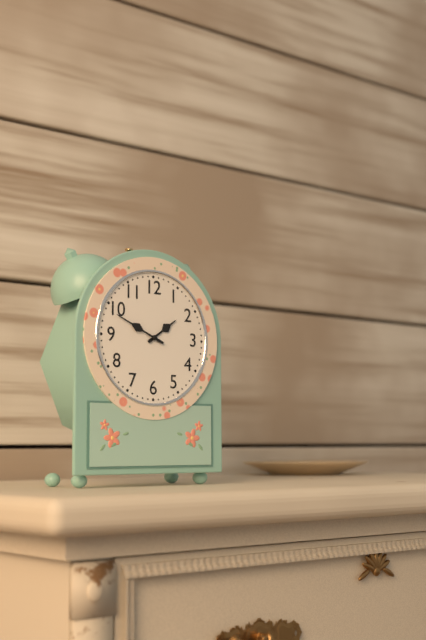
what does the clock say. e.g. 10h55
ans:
1h49
